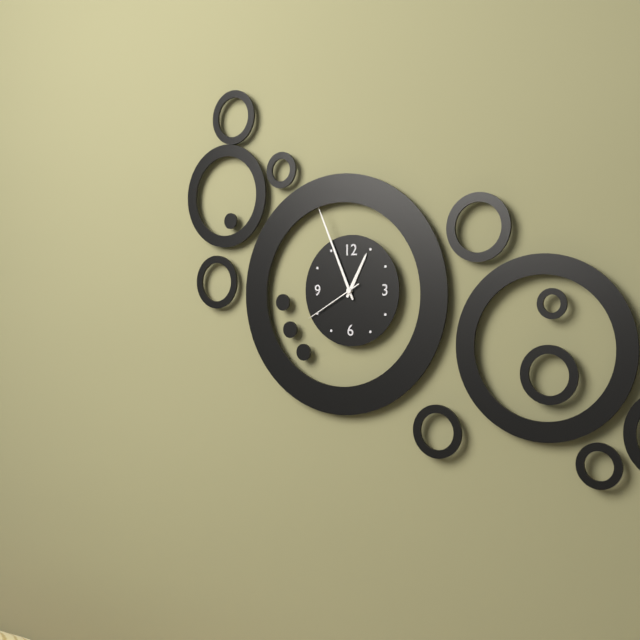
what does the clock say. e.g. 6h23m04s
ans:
12h56m40s
